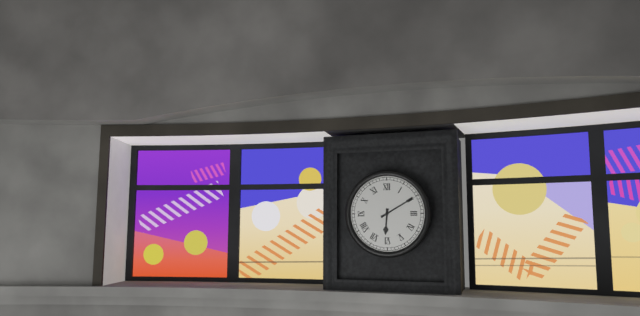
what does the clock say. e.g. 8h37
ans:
6h10
